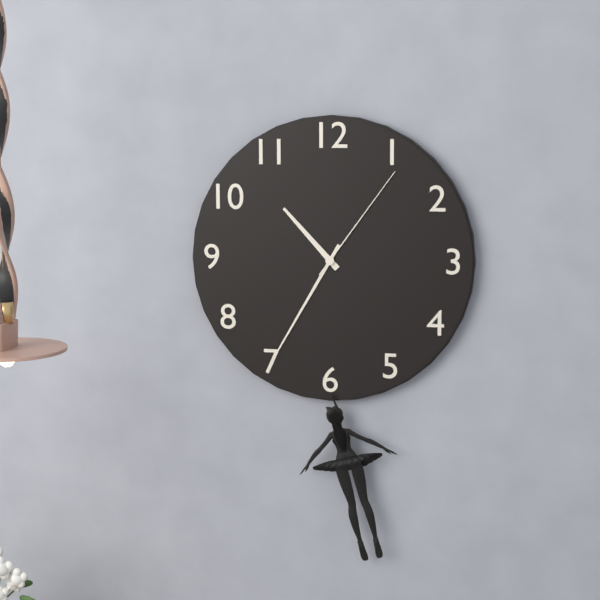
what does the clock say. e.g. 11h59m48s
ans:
10h35m06s
